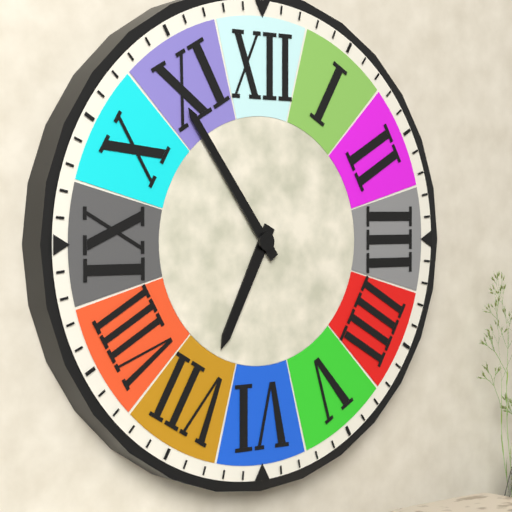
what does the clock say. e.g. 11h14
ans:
6h54
